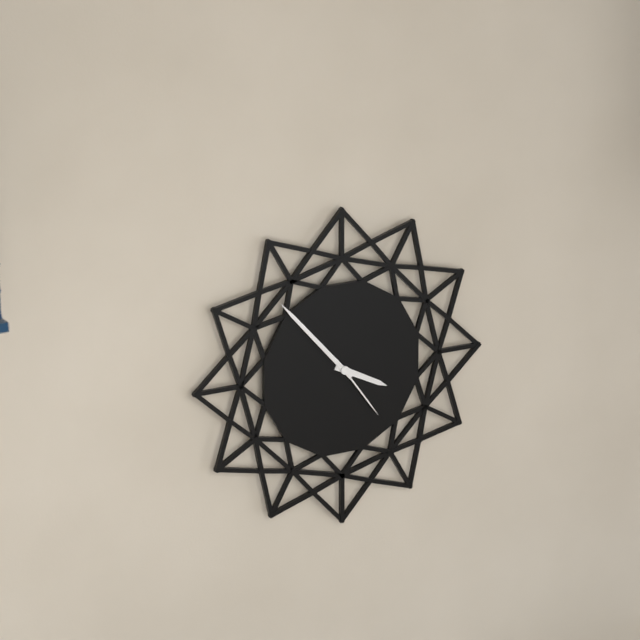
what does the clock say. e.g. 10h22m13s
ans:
3h53m24s
